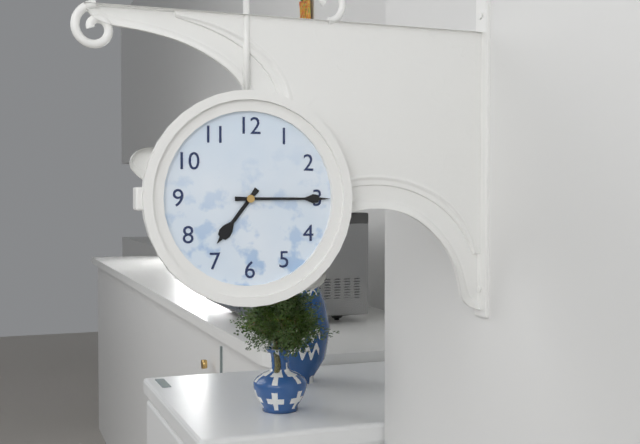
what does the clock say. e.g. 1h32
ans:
7h15
